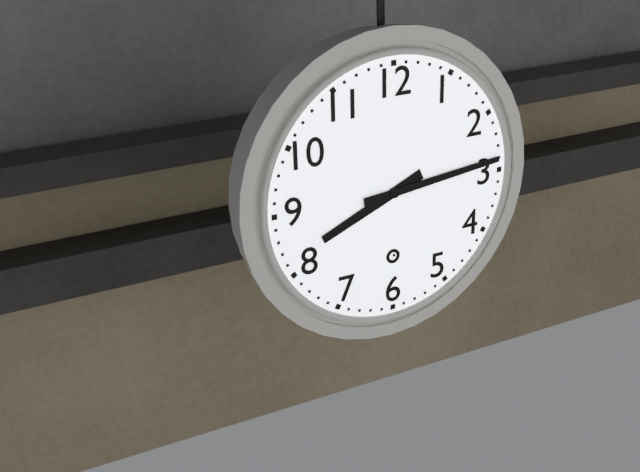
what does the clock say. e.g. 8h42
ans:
8h14
